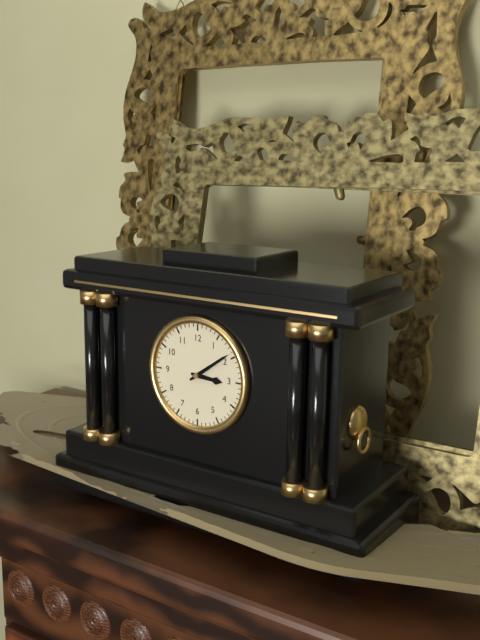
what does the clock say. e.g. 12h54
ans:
3h09
